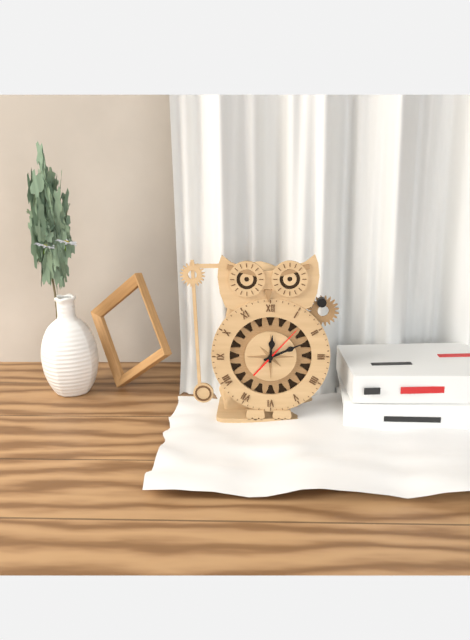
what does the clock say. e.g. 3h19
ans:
12h11
